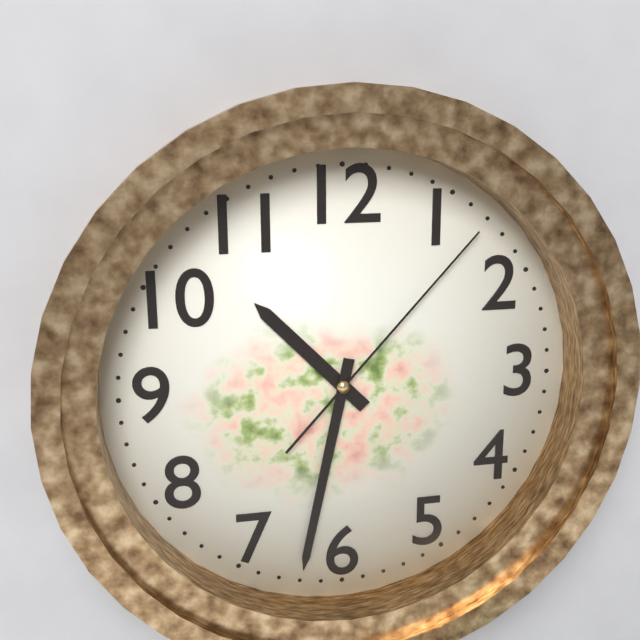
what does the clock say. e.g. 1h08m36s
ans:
10h32m07s
